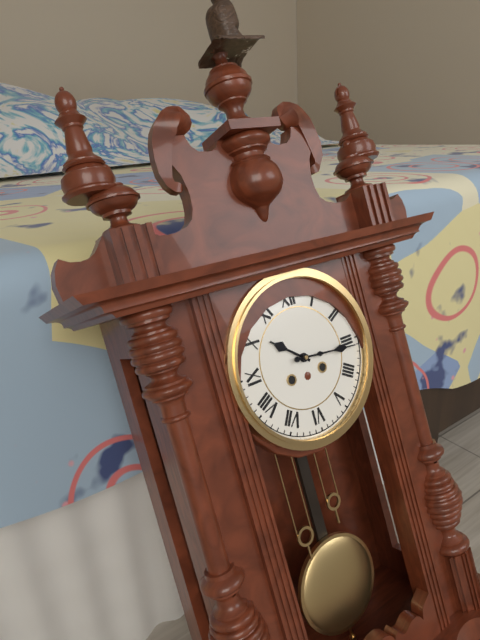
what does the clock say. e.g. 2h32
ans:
10h16
